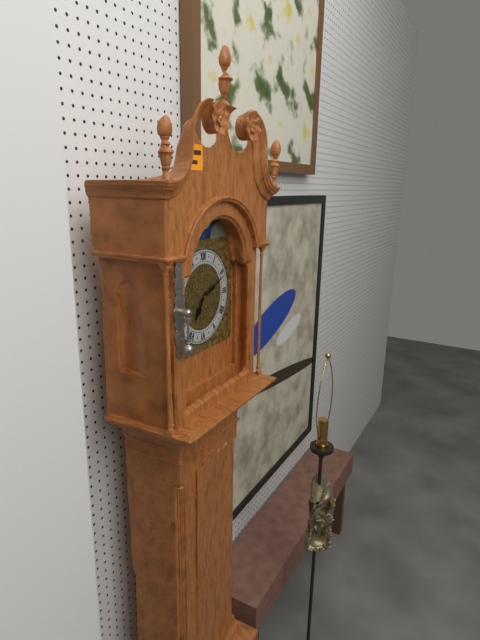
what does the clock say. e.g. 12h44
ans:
7h11
